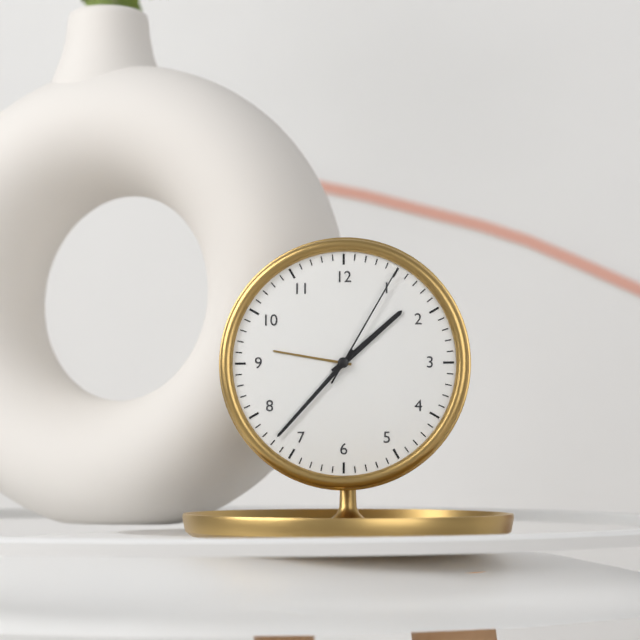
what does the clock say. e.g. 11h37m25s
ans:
1h37m05s
